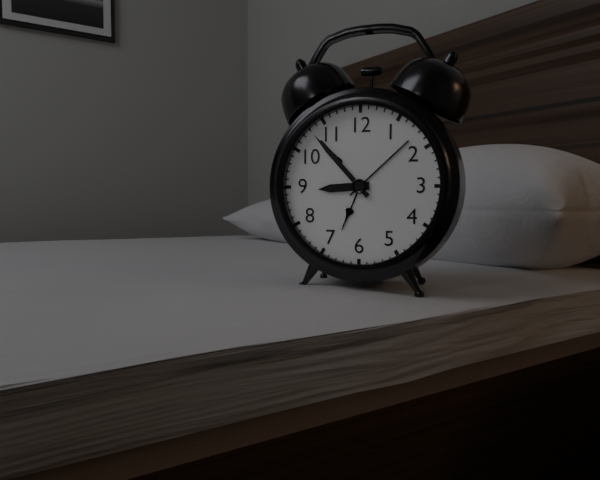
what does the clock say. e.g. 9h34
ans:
8h53
